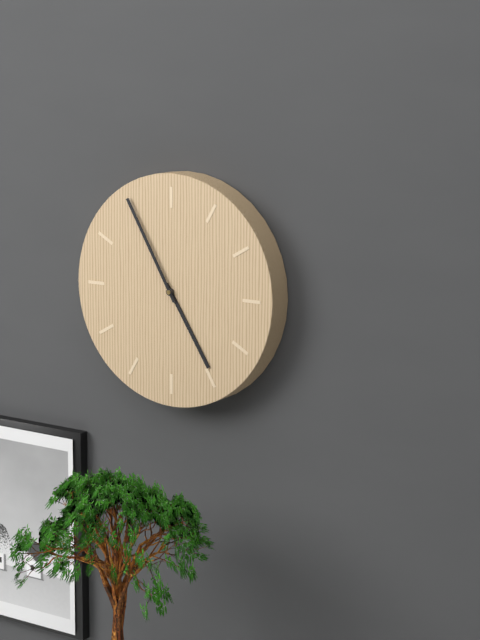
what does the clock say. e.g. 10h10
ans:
4h55
